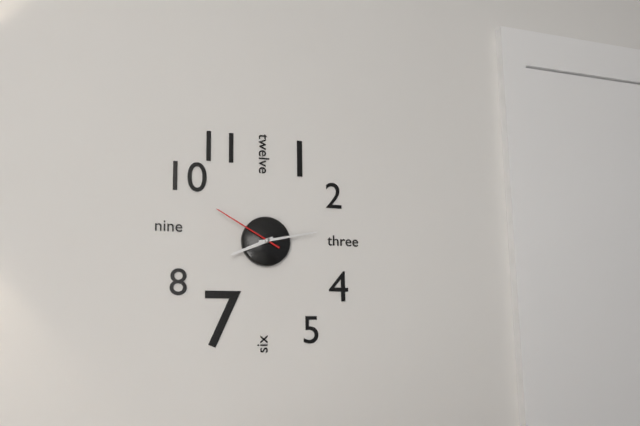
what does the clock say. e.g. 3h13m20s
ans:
8h13m50s
